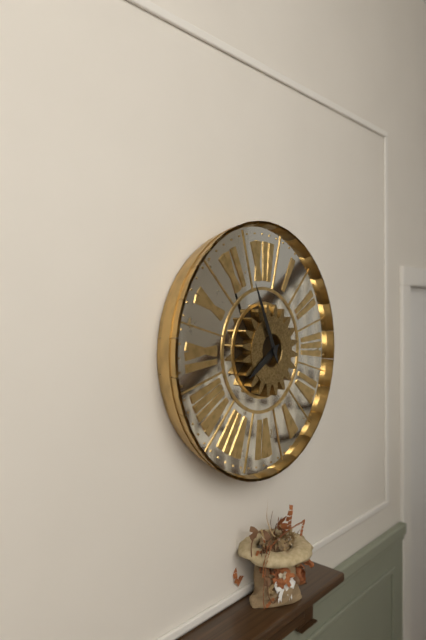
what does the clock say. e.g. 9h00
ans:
7h56
